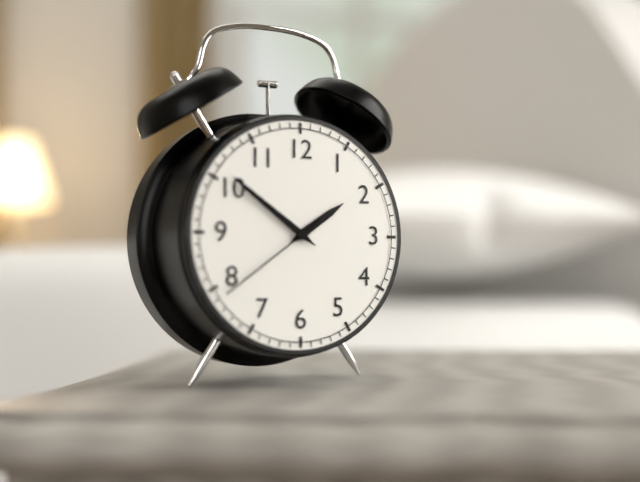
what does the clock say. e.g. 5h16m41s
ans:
1h51m39s
